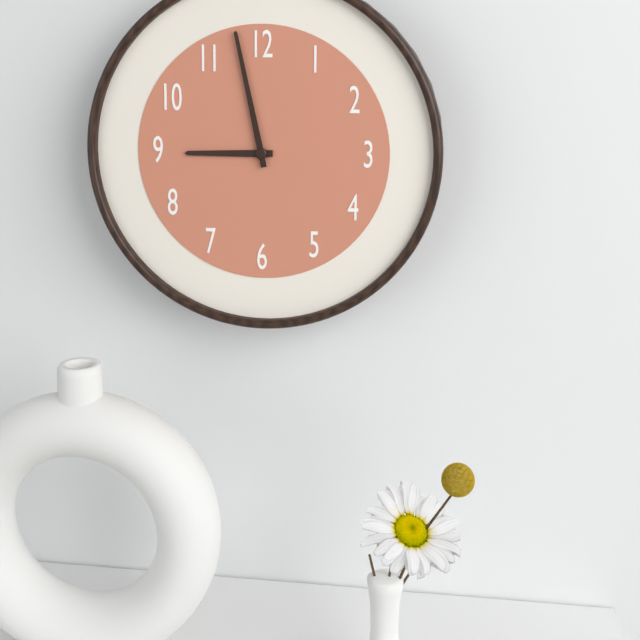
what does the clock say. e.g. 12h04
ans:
8h58
